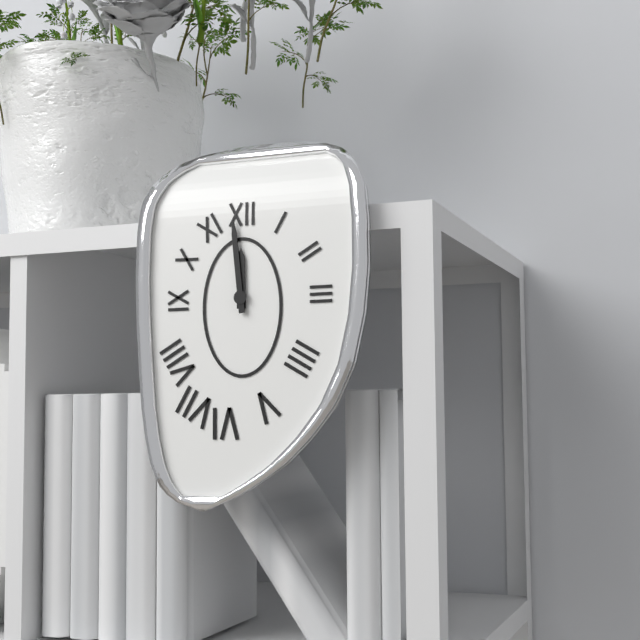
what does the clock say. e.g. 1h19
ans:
11h59
